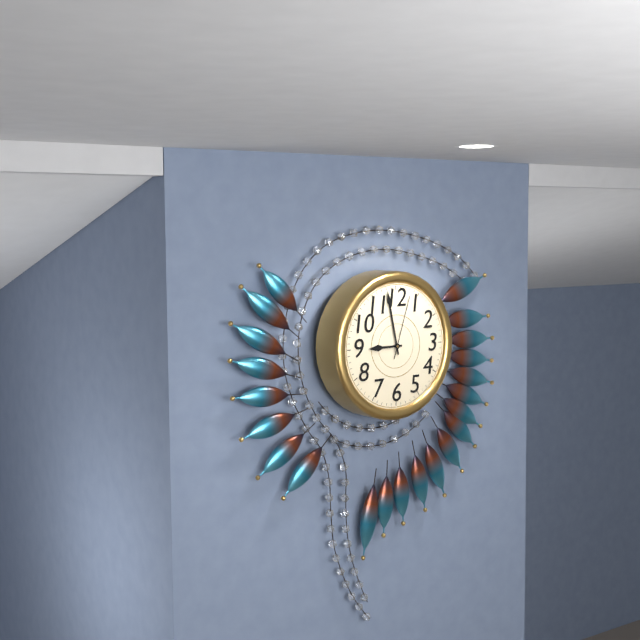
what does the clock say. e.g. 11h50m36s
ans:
8h58m03s
